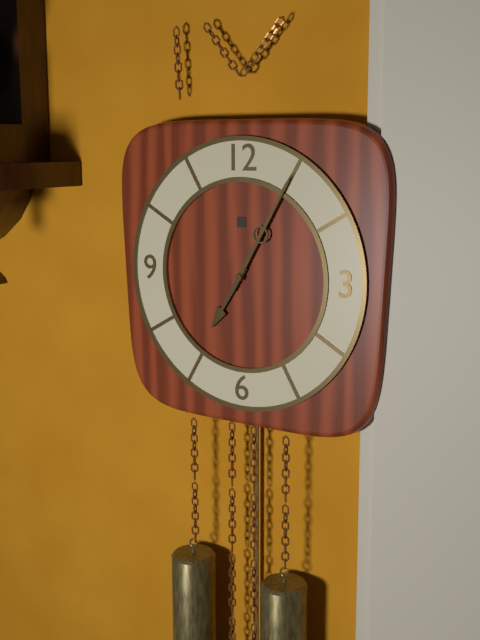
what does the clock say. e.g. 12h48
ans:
7h05
